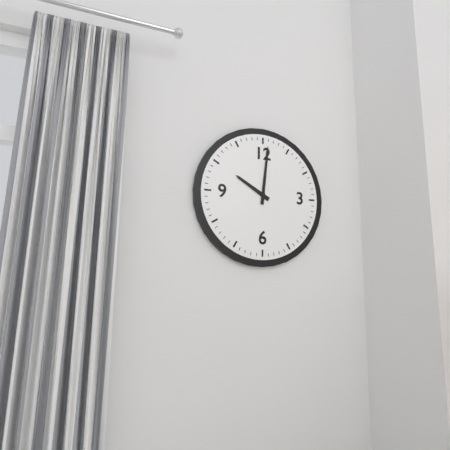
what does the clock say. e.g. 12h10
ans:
10h01
